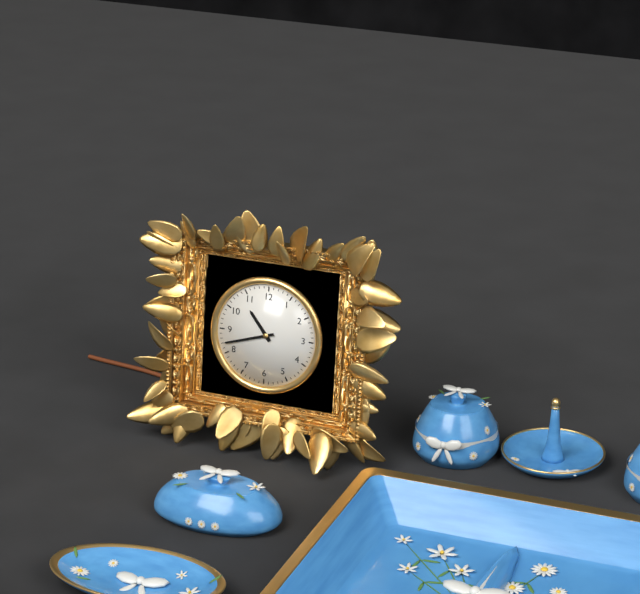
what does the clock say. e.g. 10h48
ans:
10h42
